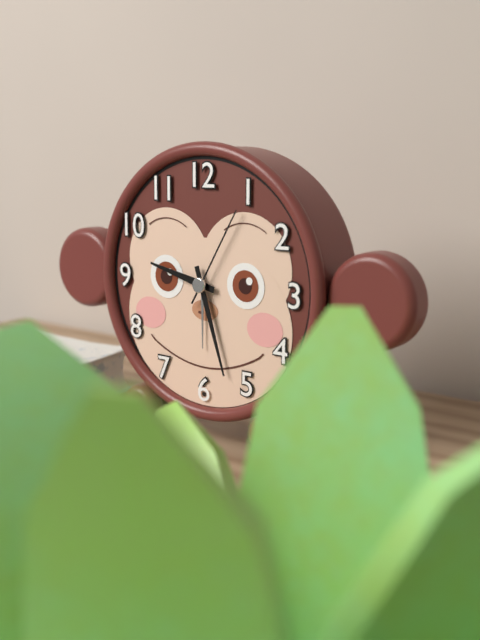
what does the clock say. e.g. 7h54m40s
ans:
9h27m05s
